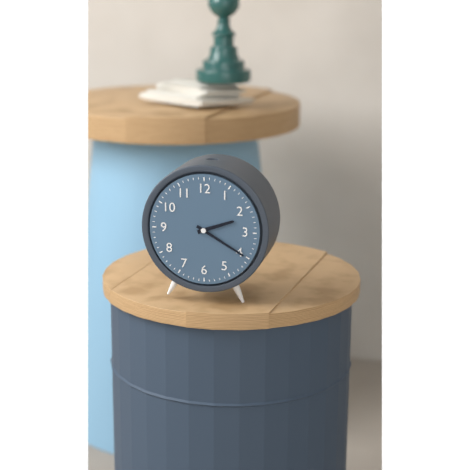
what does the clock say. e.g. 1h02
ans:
2h20
